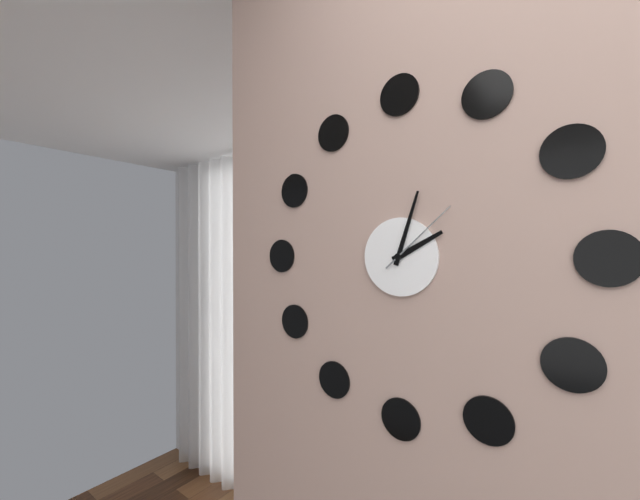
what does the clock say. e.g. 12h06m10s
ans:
2h03m08s
